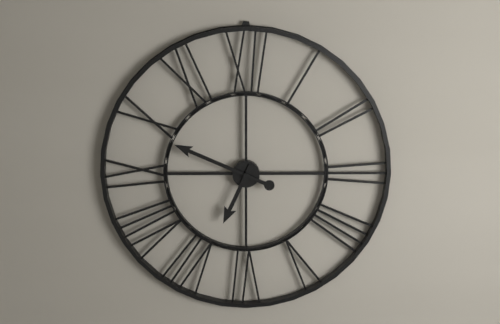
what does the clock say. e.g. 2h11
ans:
6h49
